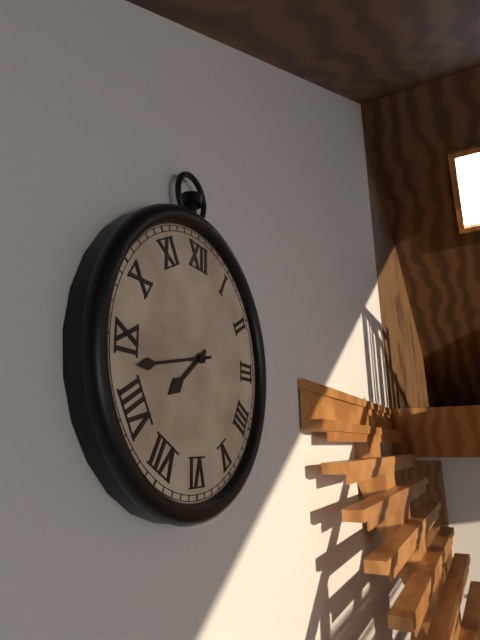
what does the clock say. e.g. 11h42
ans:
7h43
